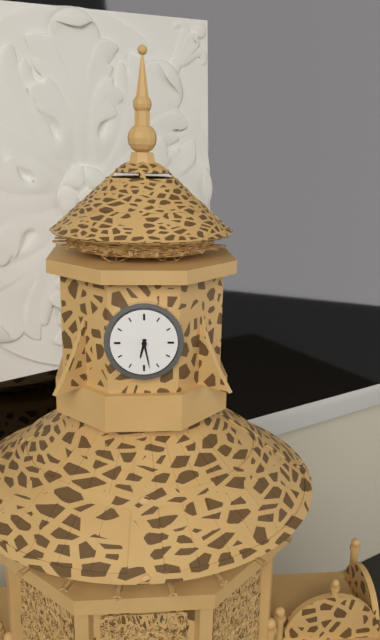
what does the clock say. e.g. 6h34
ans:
6h28
